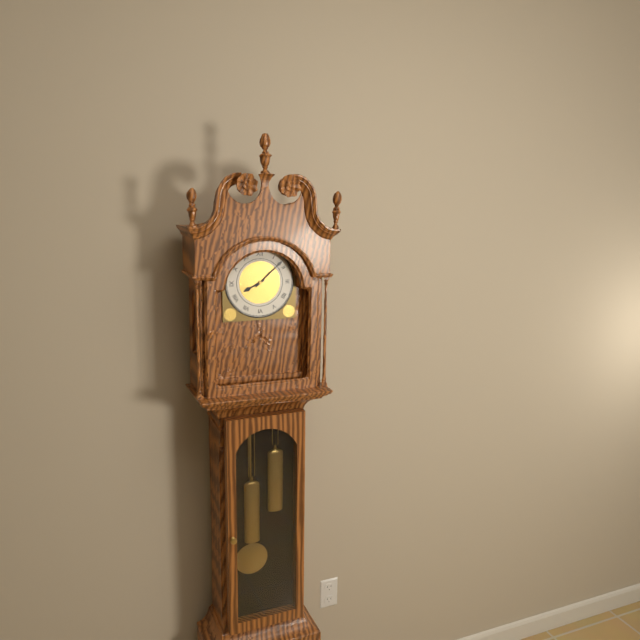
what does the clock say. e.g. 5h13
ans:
8h08
